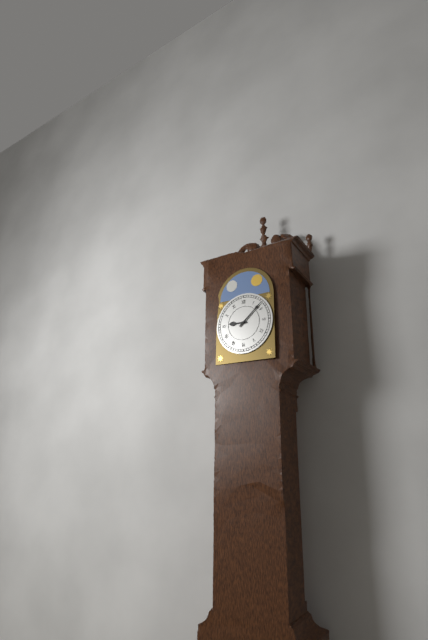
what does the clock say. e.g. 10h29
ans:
9h08
